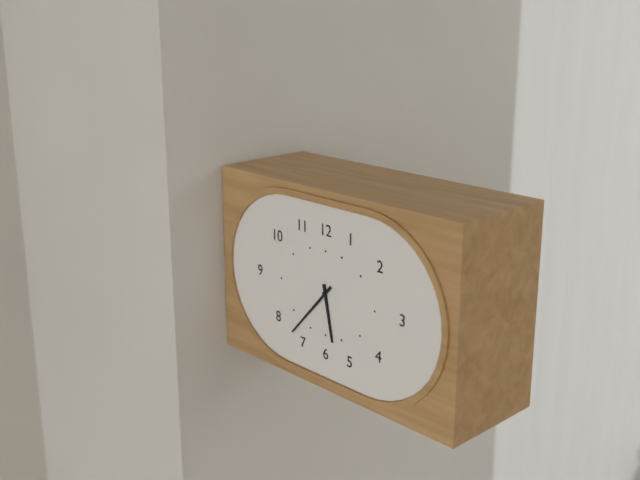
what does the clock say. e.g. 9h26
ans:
5h37
